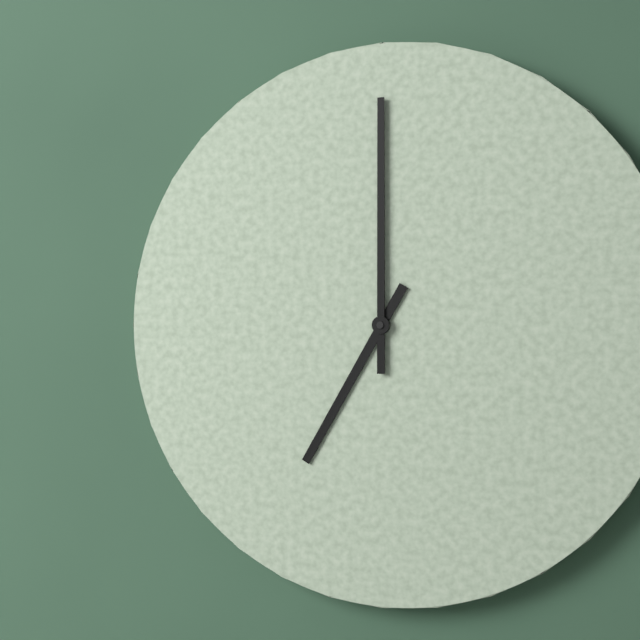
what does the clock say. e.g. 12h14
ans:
7h00
